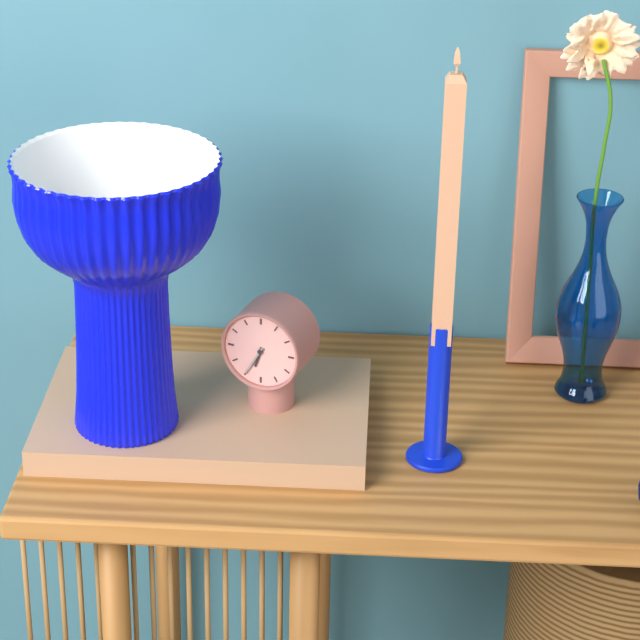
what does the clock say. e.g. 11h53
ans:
6h35
